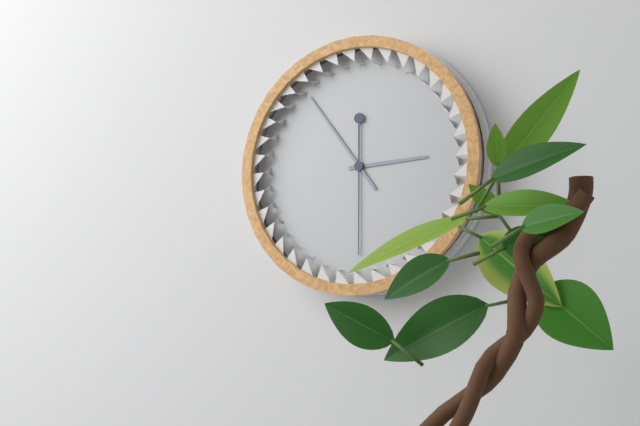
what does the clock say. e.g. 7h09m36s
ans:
2h54m30s
